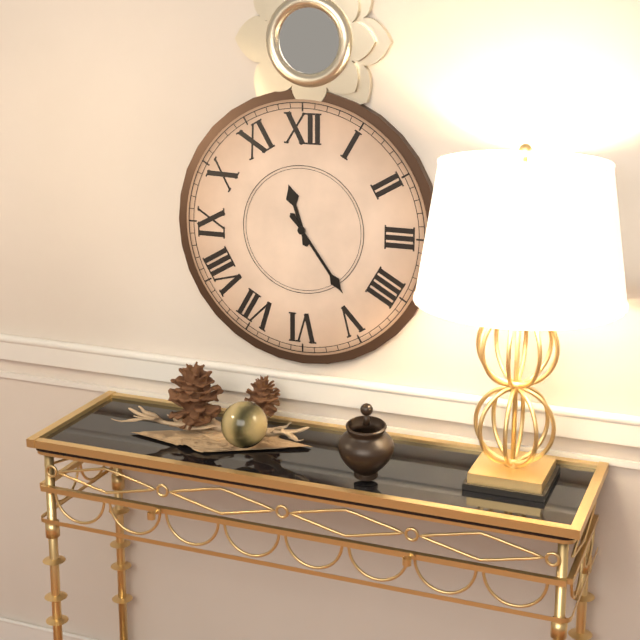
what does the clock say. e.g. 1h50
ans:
11h24
